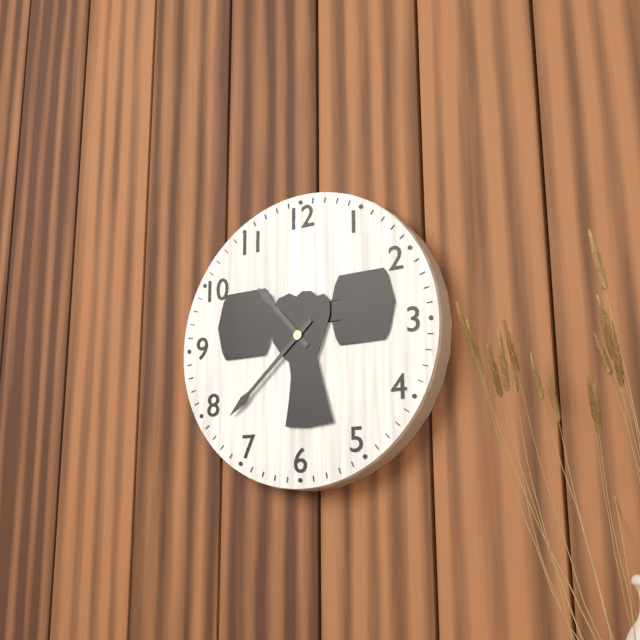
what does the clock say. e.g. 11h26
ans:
10h38
